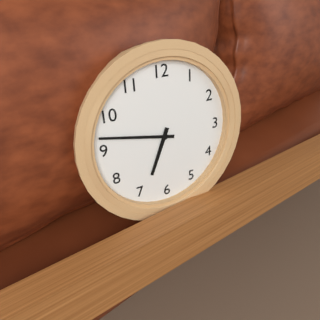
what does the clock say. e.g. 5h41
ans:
6h47
